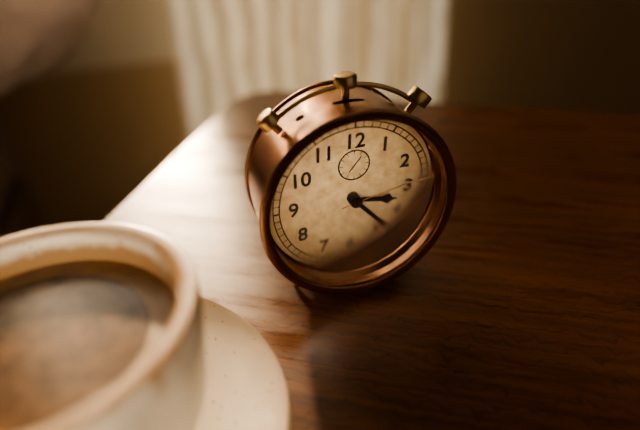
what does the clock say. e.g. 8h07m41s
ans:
3h23m13s
